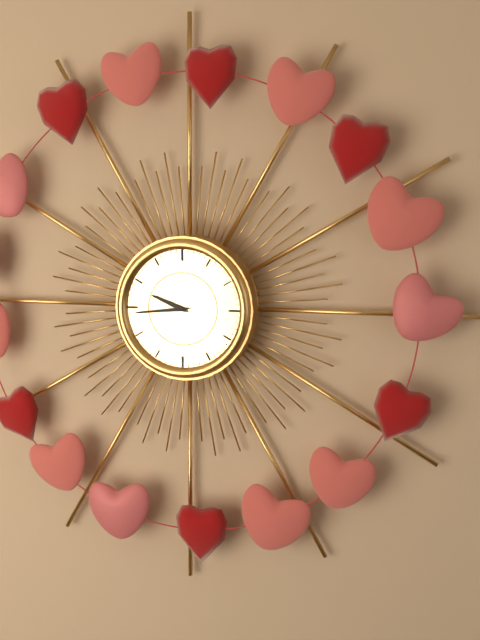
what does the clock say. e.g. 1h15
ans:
9h44
